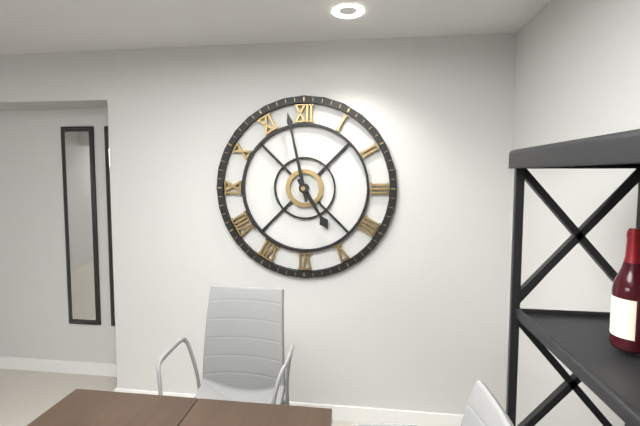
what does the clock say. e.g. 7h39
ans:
4h58
